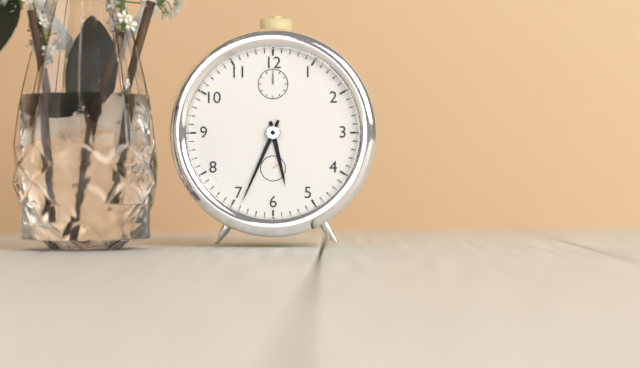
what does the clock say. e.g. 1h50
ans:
5h34
